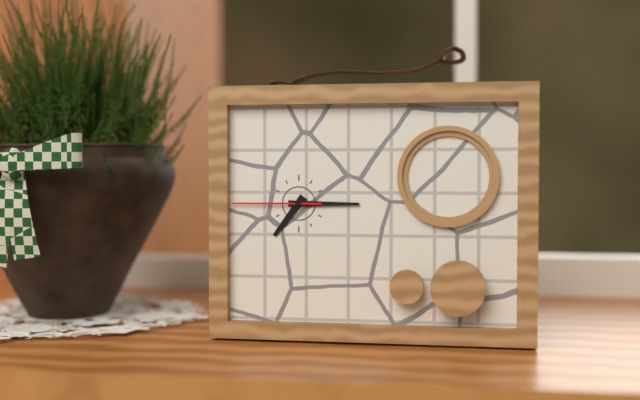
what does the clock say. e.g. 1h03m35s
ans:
7h15m45s
